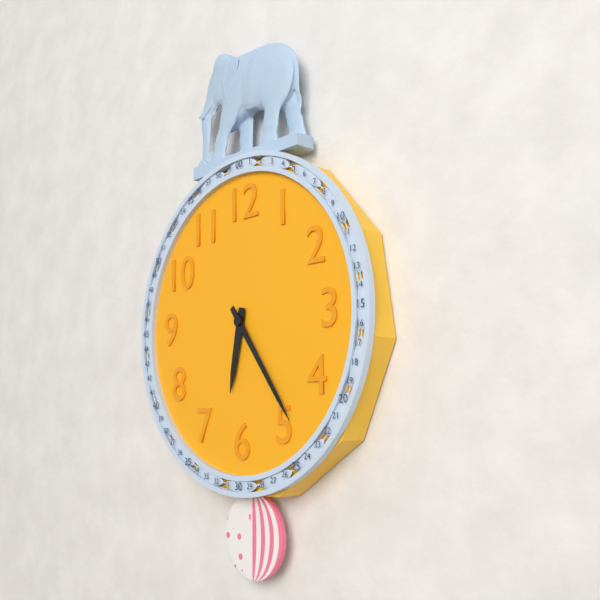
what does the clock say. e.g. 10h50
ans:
6h24
